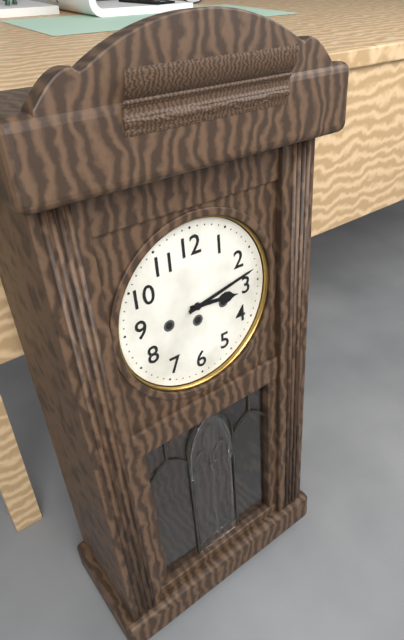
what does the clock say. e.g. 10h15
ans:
3h13
